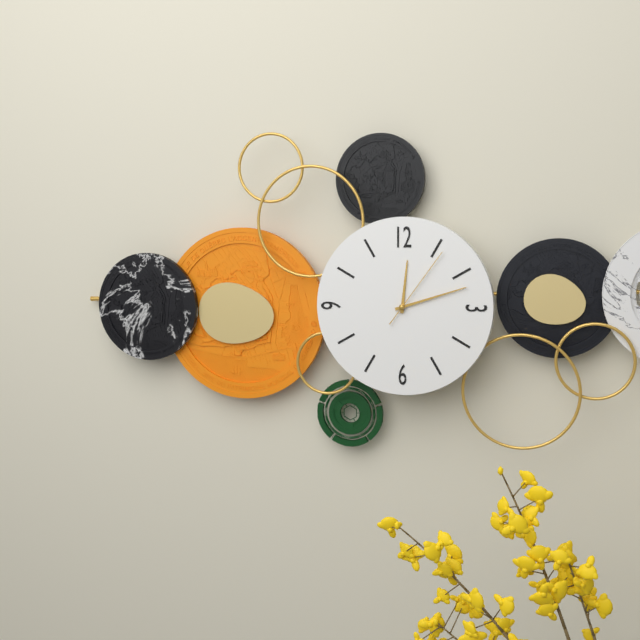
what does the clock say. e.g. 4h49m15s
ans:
12h12m06s
